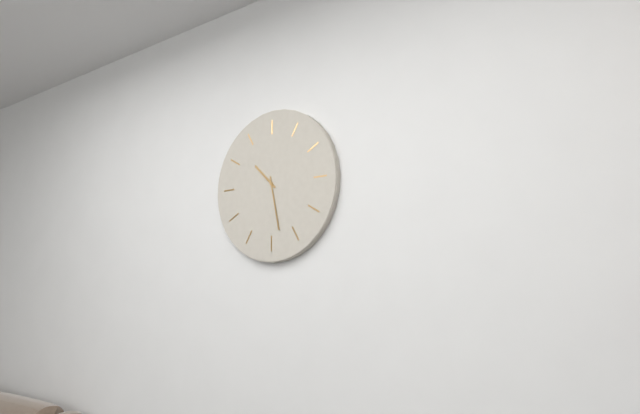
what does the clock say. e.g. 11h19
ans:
10h28
